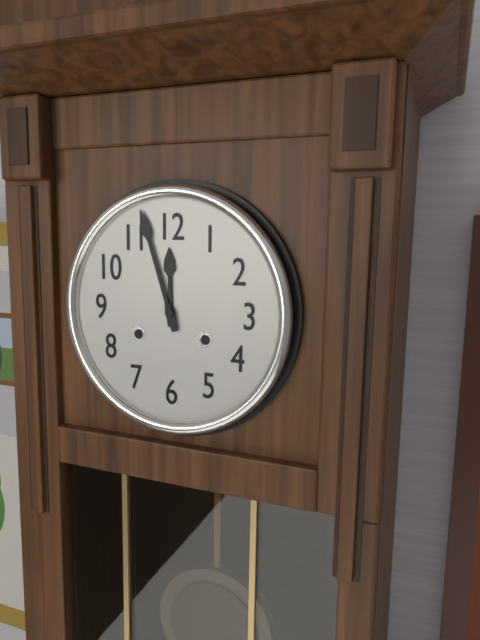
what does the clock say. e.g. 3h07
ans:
11h57
